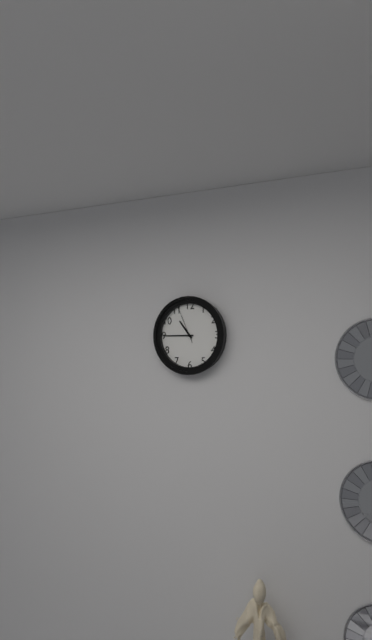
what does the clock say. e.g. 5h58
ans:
10h45
